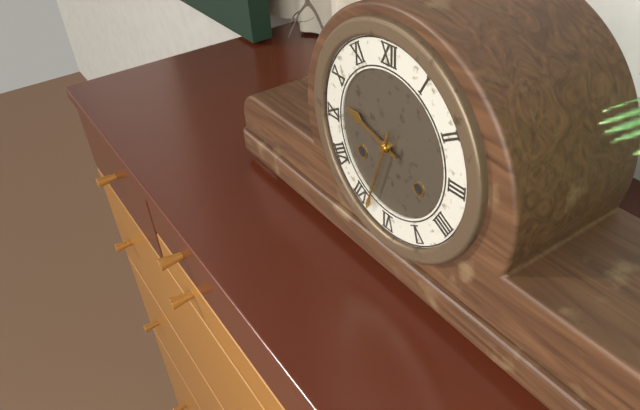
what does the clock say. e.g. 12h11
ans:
9h33
